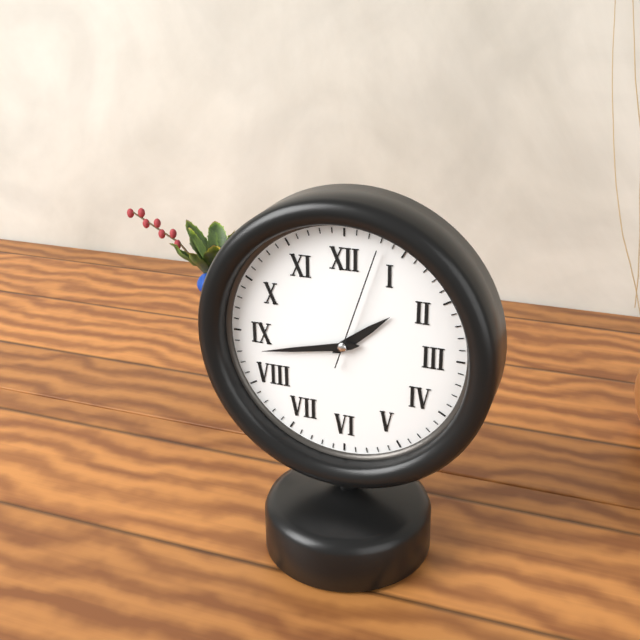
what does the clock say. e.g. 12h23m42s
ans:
1h43m03s
